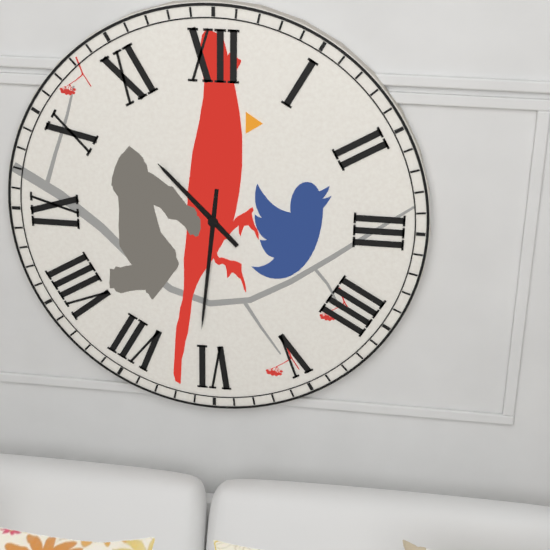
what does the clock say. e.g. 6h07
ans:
10h31
